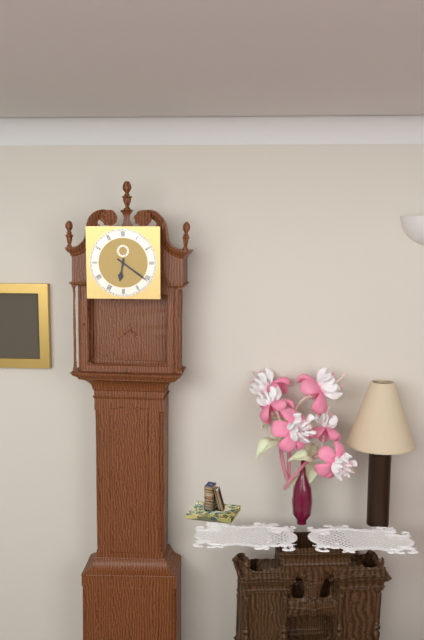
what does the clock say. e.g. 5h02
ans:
6h21
